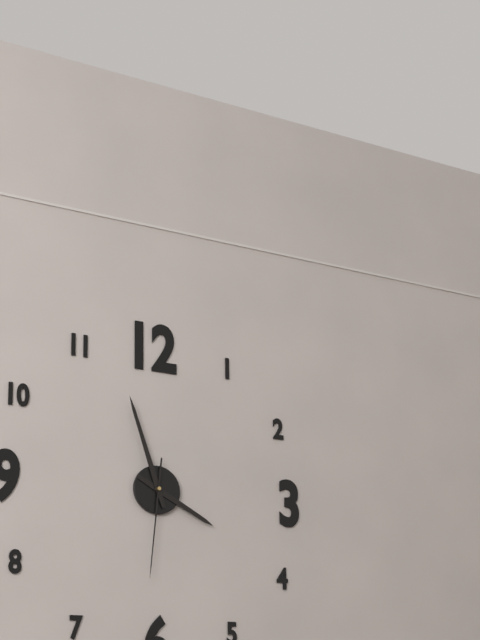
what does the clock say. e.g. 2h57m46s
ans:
3h57m31s
